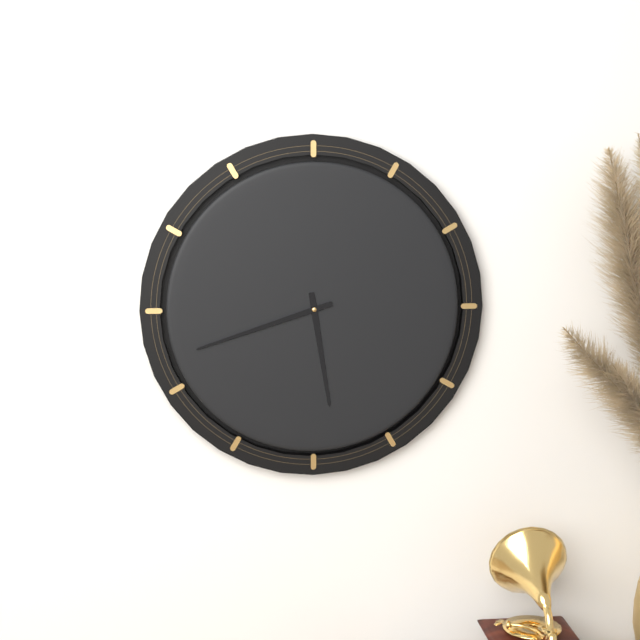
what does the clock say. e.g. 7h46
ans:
5h42
